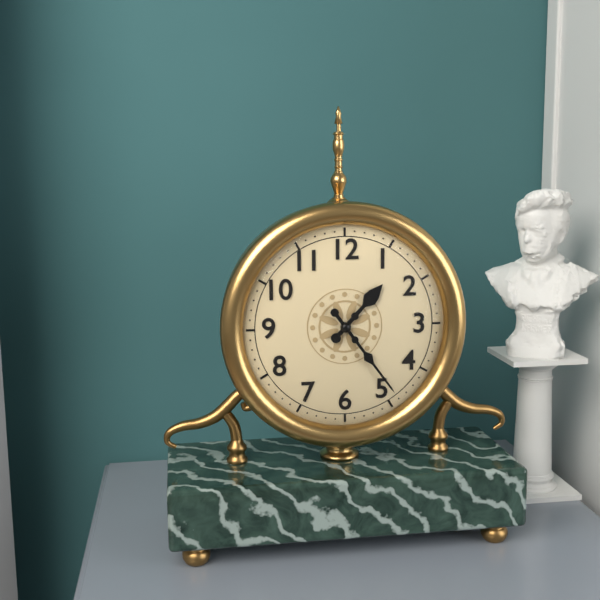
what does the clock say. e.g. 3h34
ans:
1h24
